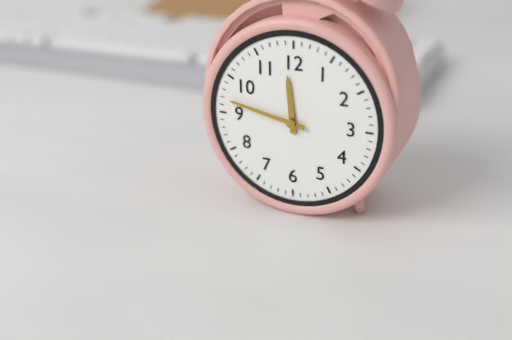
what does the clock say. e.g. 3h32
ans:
11h47
